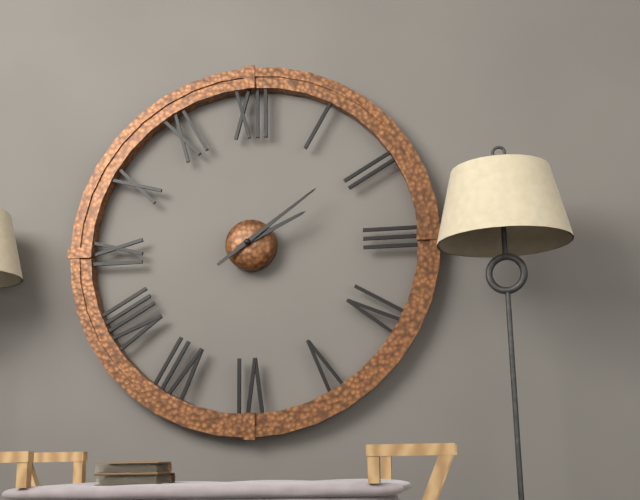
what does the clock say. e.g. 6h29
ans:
2h09
